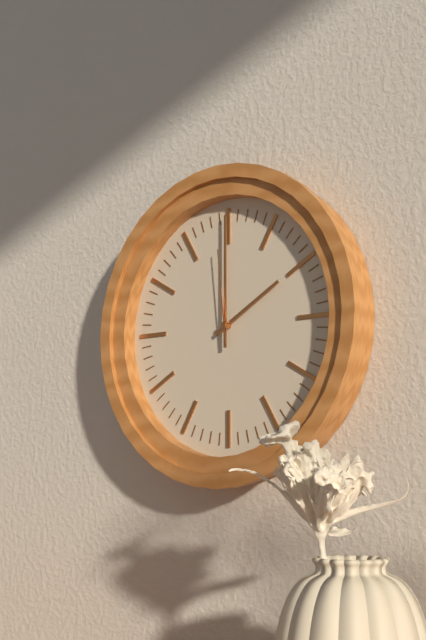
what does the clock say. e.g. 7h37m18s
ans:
2h00m59s
